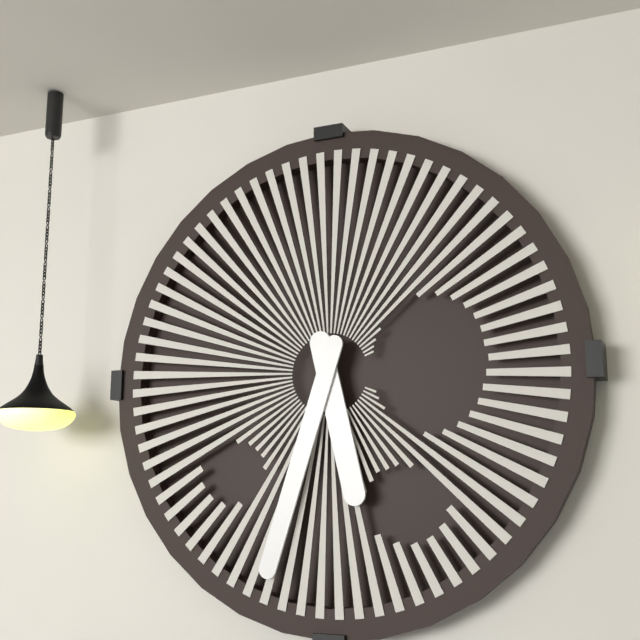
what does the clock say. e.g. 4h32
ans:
5h33
